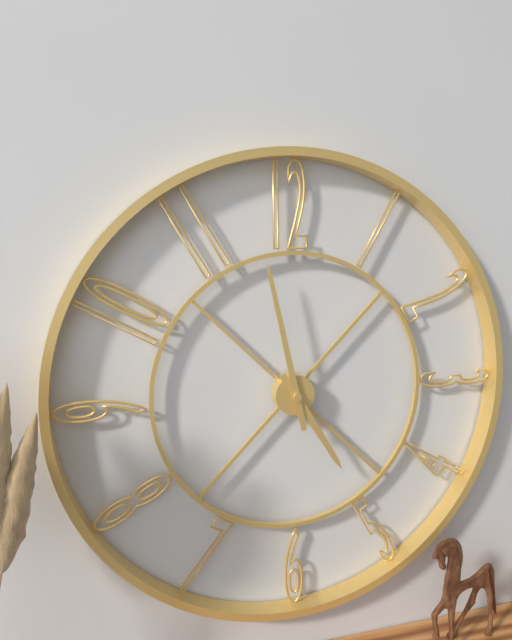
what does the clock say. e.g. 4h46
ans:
4h58
